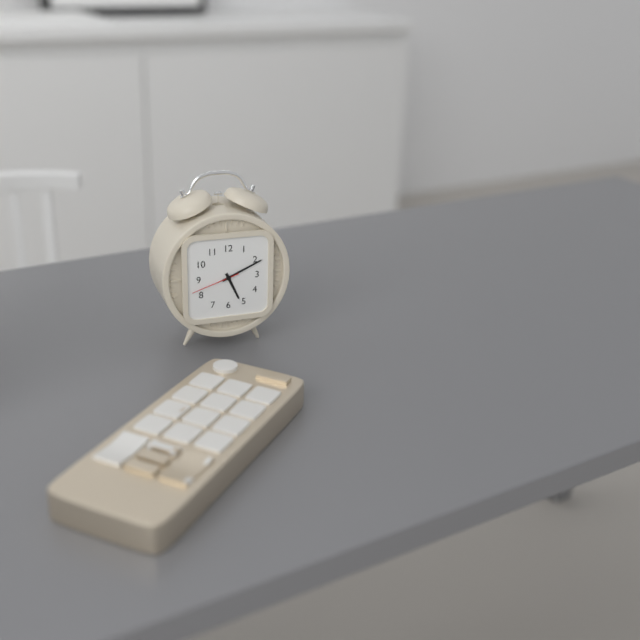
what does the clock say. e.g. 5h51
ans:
5h11
